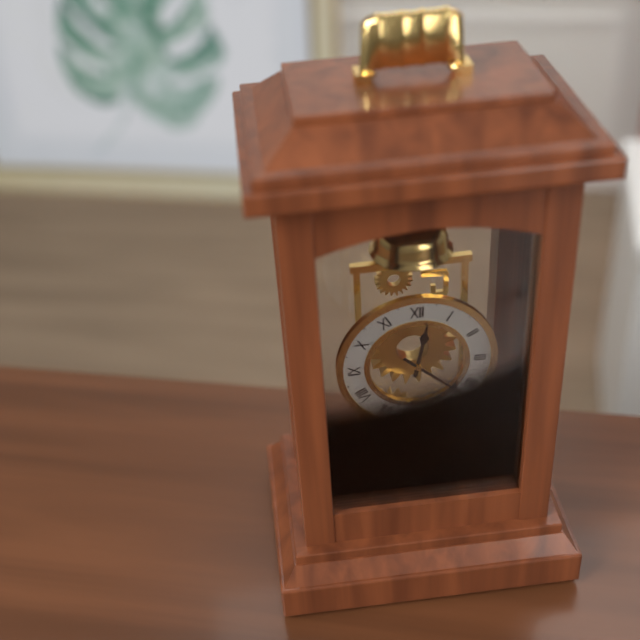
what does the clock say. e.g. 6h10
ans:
12h22
